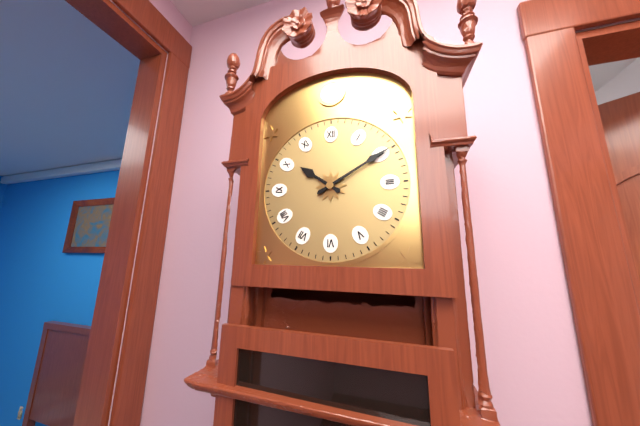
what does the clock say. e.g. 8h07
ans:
10h10
